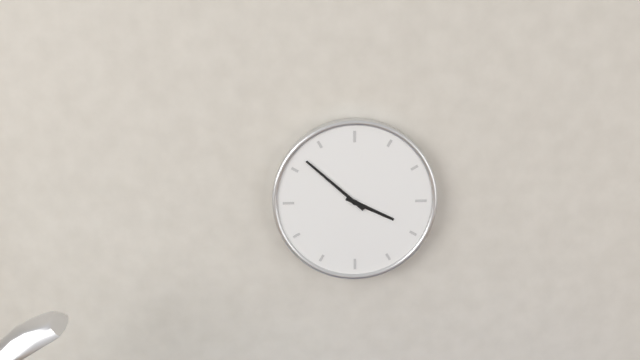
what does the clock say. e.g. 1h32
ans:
3h52
